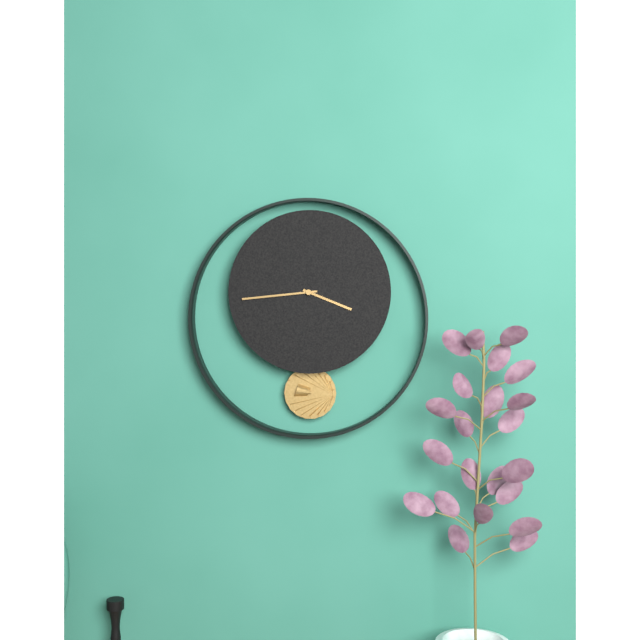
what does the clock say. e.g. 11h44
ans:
3h44
